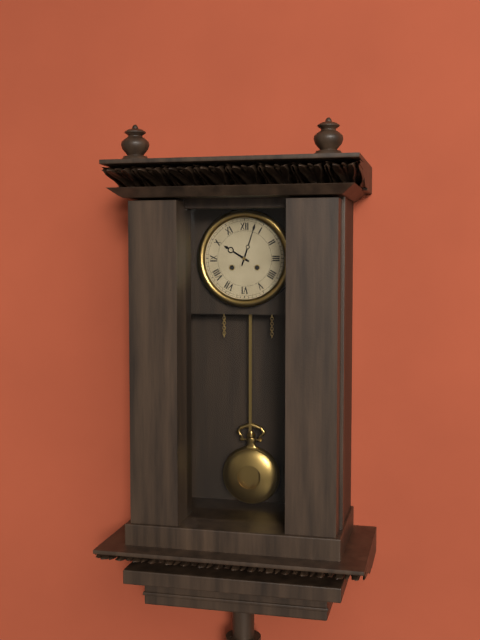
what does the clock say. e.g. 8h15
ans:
10h03
